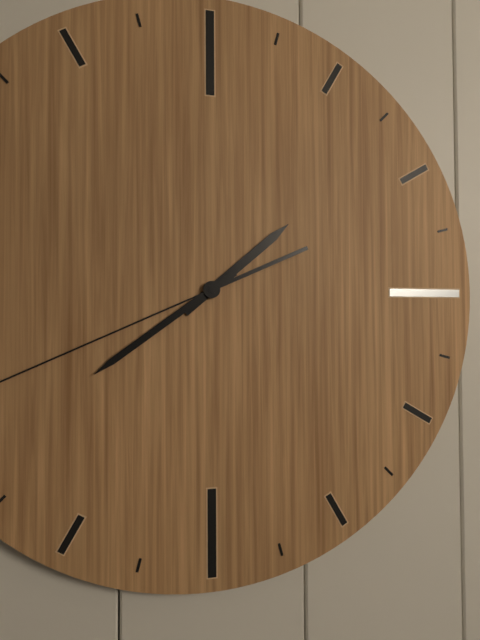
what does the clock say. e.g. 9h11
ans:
1h39
